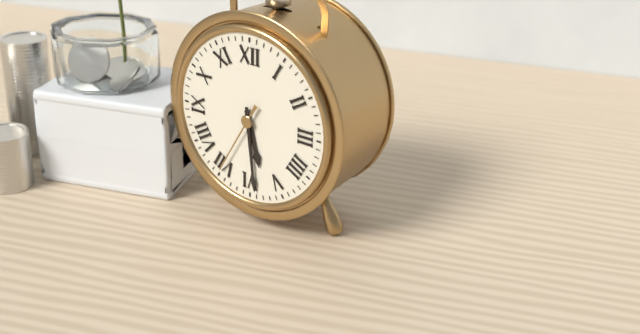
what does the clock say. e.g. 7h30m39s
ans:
5h29m35s
